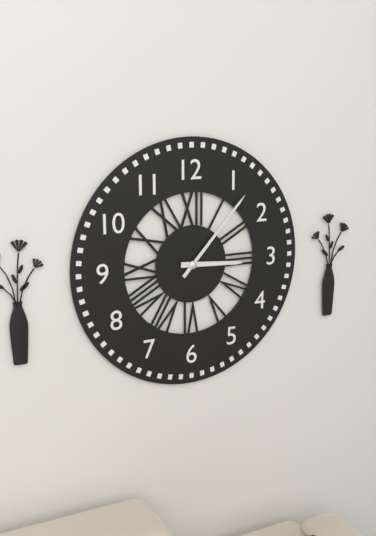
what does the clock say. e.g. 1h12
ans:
3h07
